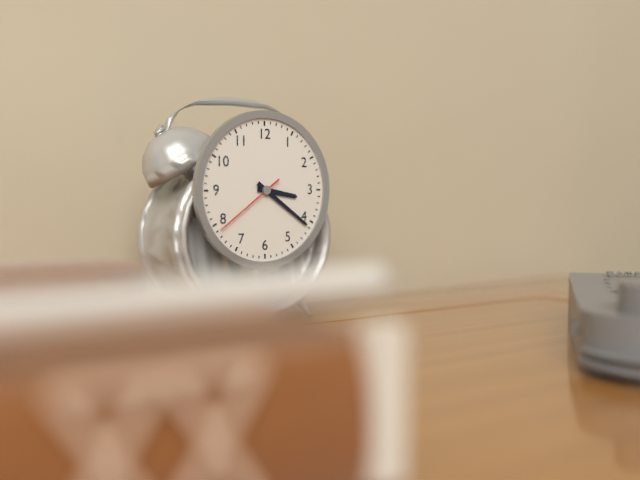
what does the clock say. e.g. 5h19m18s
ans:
3h21m39s
